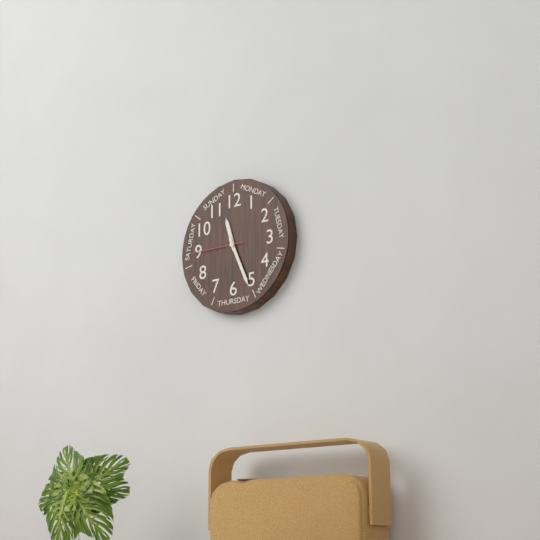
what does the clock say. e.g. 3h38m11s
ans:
11h26m45s
